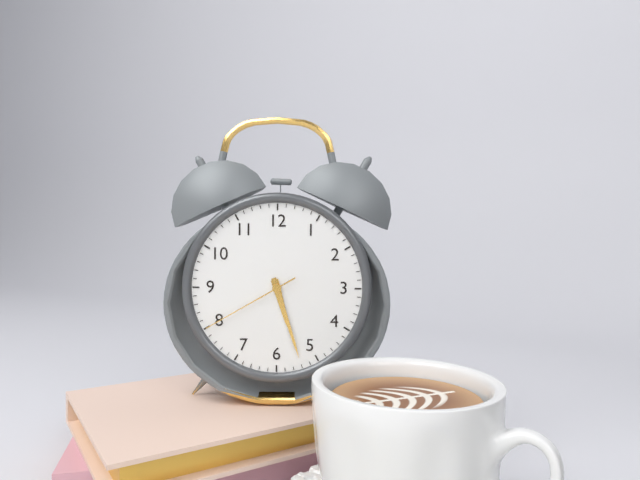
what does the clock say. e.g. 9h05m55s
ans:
5h27m40s
